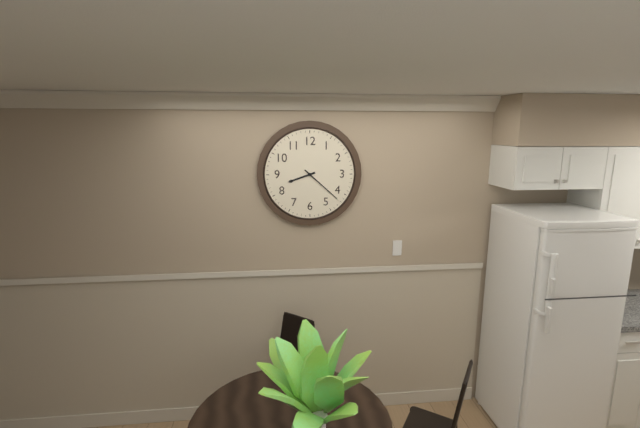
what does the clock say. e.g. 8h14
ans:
8h22
